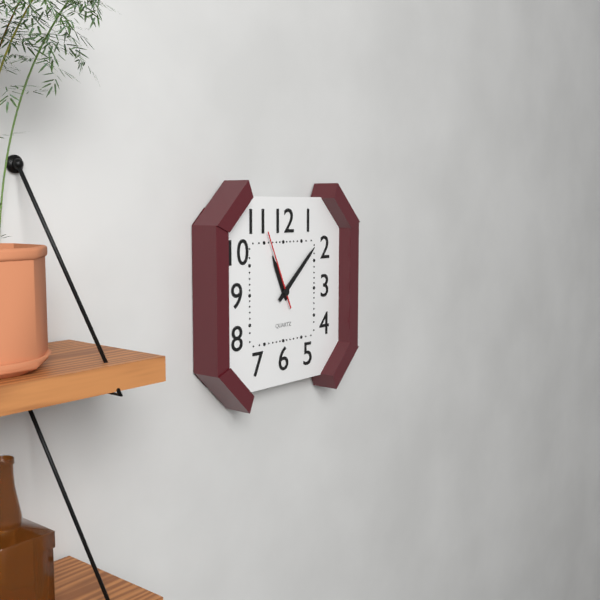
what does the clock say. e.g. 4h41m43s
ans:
11h08m56s
